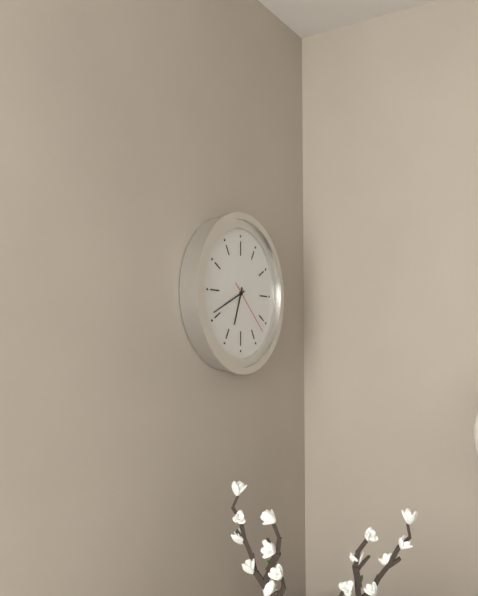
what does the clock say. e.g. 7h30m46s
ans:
6h41m22s
